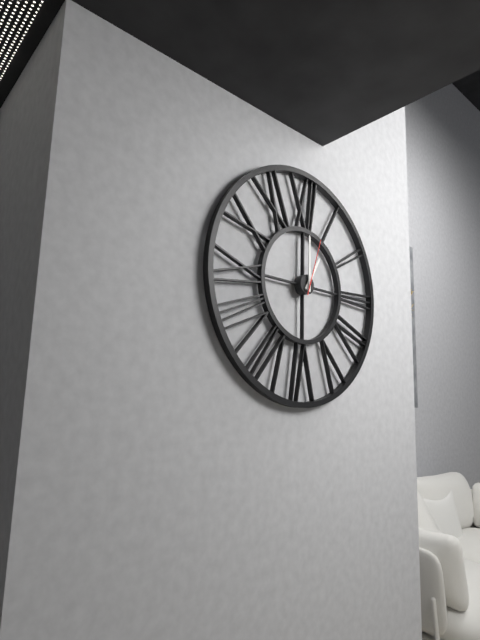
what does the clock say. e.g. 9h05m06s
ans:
1h00m03s
